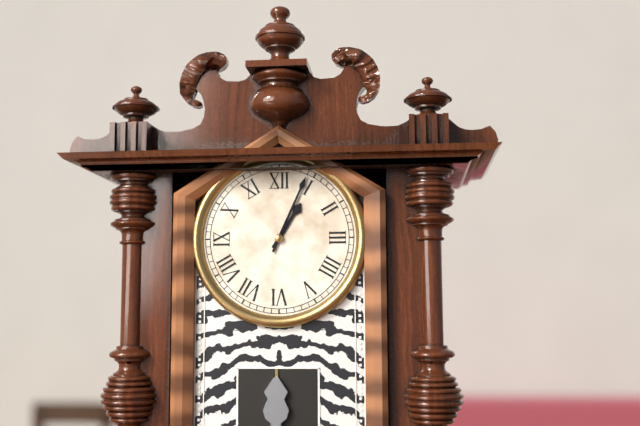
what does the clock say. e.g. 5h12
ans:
1h04
